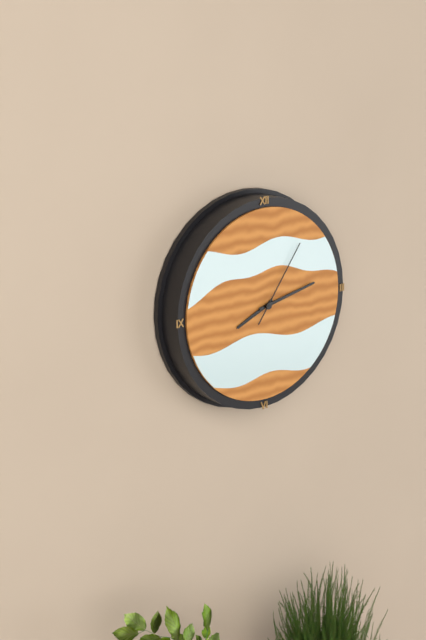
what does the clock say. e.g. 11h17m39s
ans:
8h13m06s
